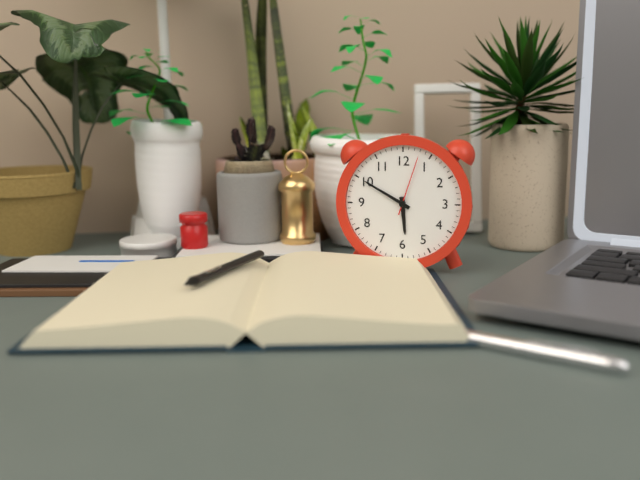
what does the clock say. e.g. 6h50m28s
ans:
5h50m03s
